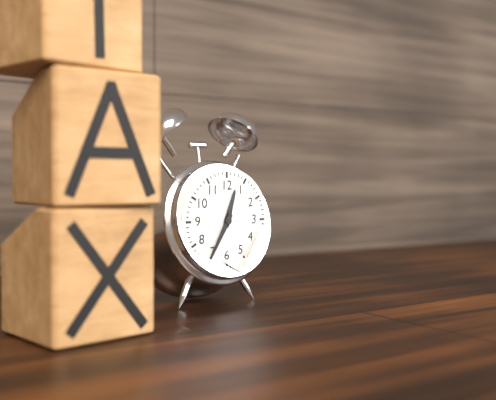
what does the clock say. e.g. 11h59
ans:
12h35
